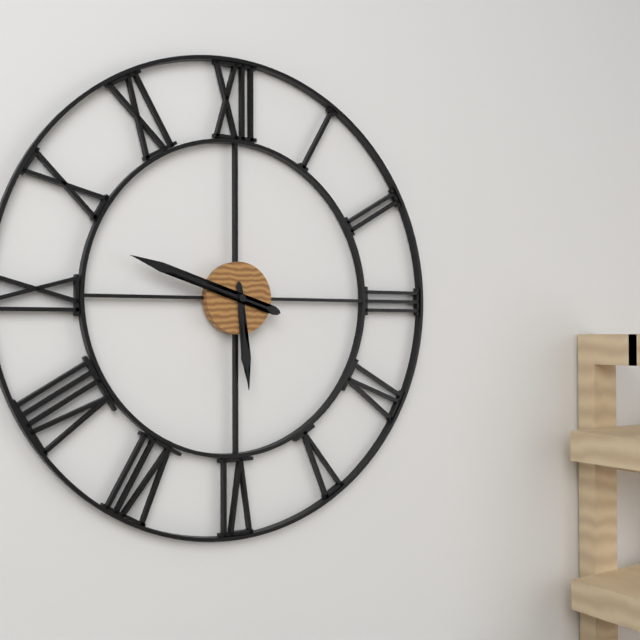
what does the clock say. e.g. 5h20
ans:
5h48
